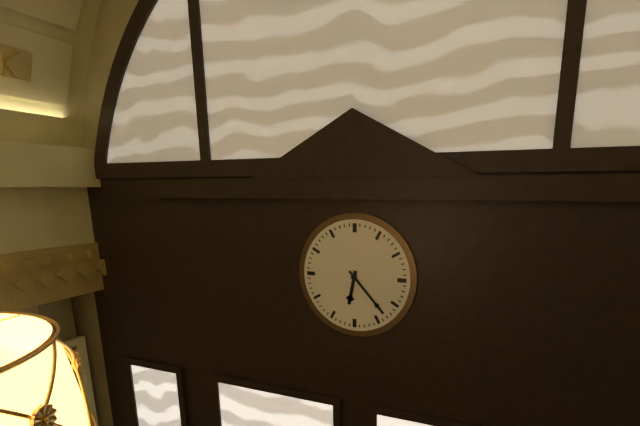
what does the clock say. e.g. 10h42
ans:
6h23
